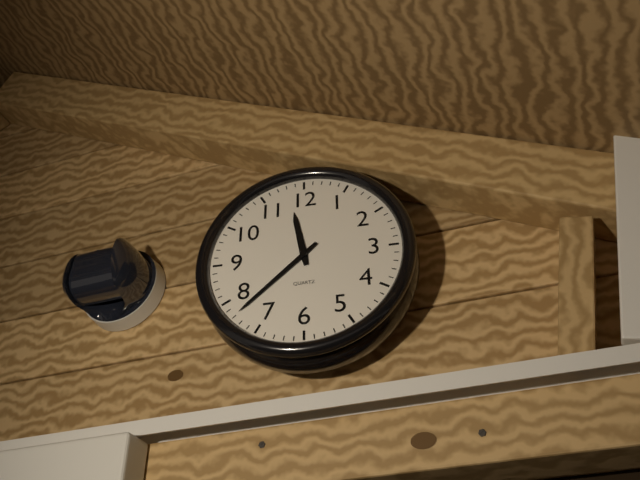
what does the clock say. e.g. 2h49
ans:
11h38
